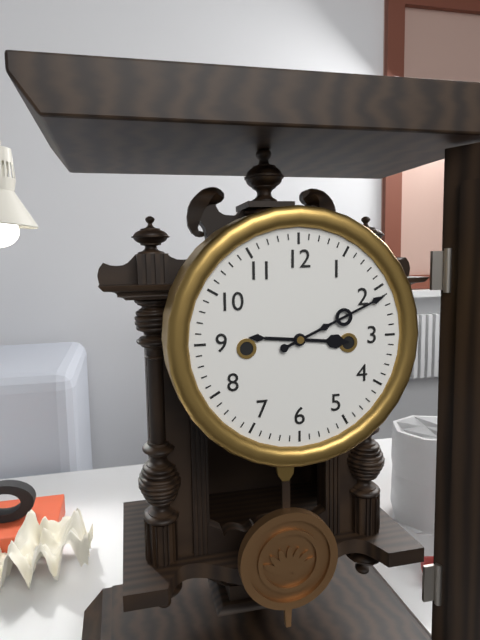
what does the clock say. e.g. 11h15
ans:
3h11
